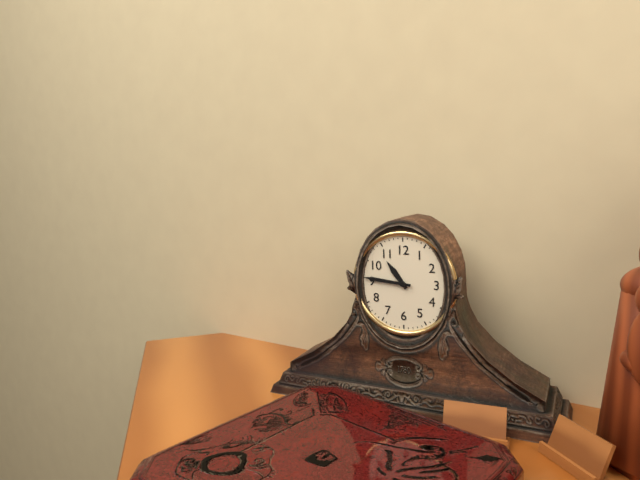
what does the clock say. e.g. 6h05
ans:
10h46
